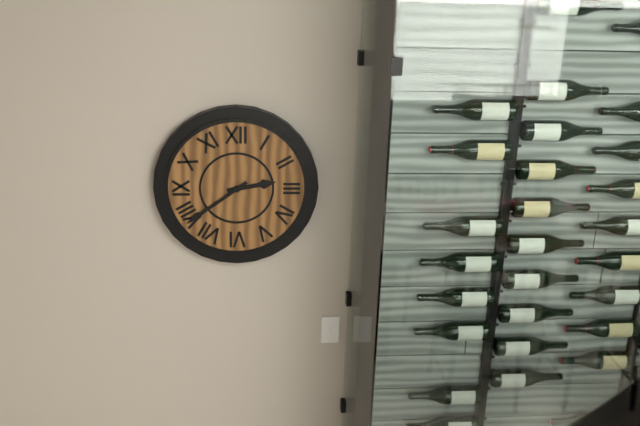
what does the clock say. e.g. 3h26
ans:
2h39
